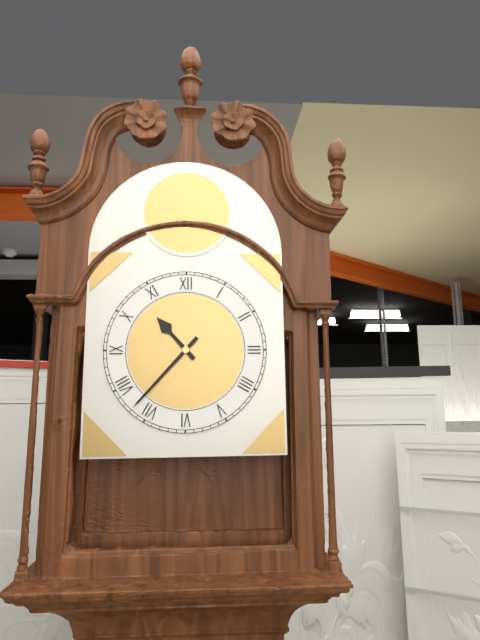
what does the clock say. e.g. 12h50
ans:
10h37
